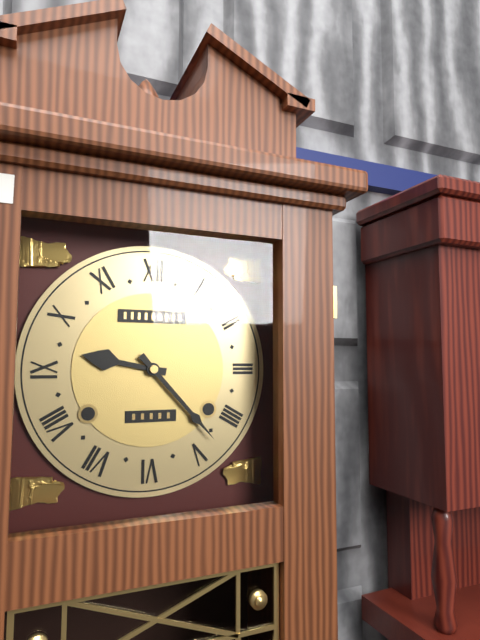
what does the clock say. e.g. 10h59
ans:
9h23
